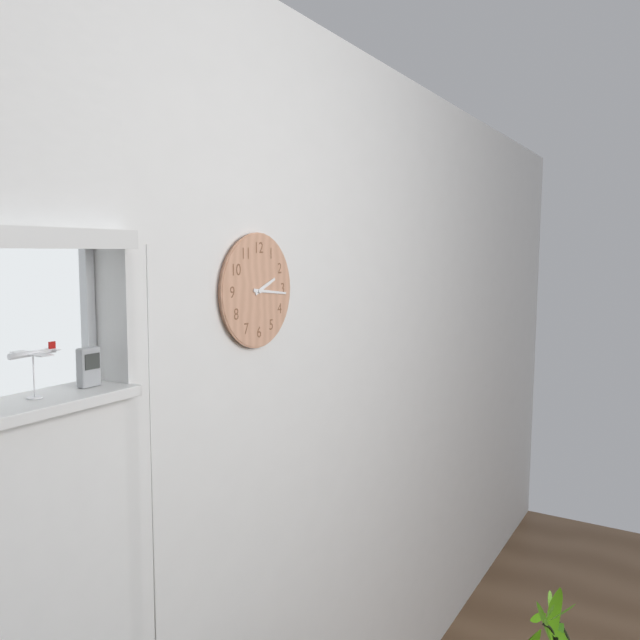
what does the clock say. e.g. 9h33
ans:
2h16
